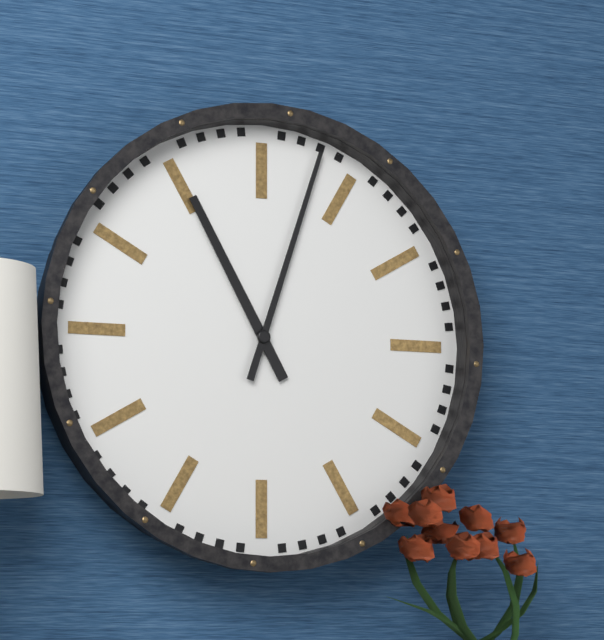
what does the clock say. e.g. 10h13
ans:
11h03
